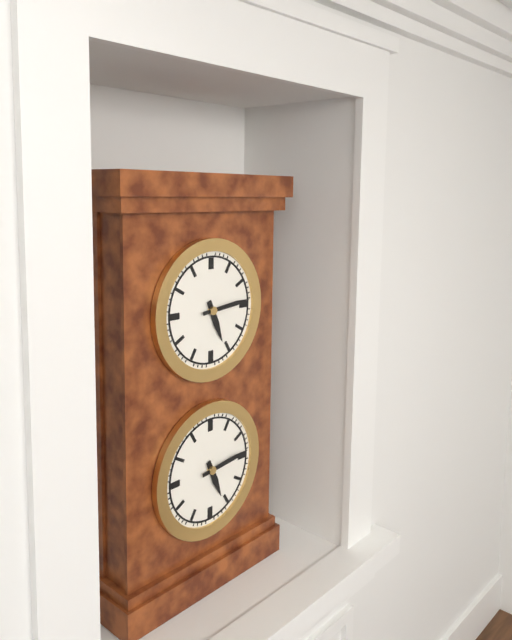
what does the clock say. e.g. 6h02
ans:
5h14
